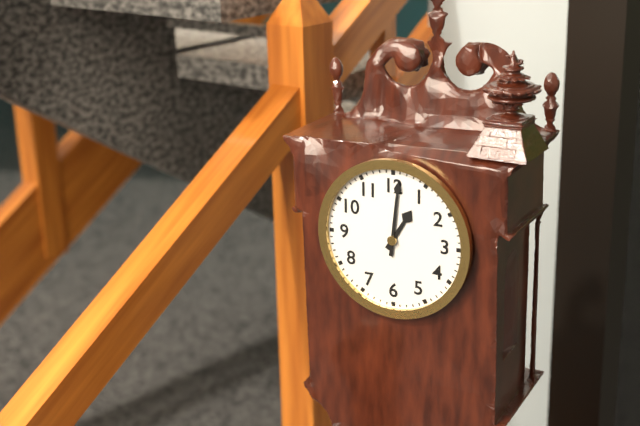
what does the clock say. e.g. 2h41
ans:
1h01
